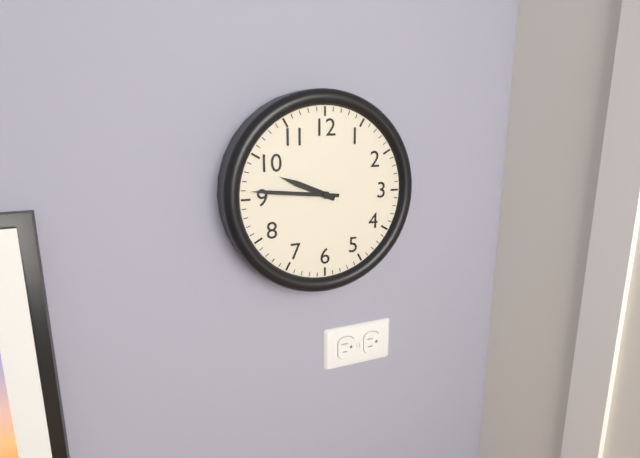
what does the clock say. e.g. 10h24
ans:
9h46
